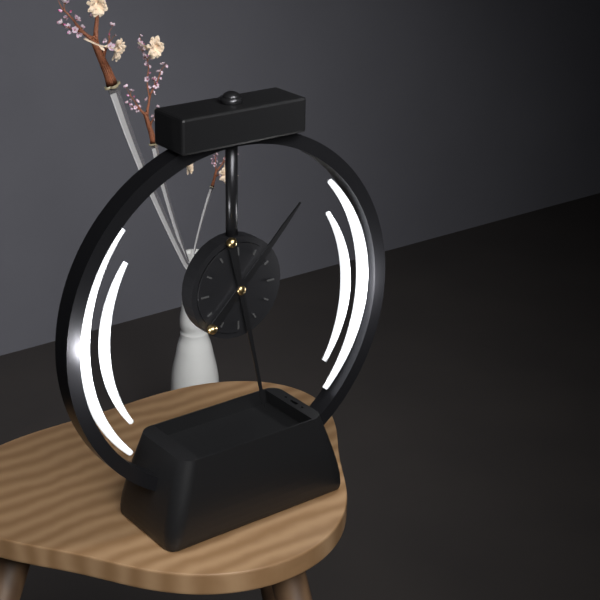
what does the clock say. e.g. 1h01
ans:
1h28
